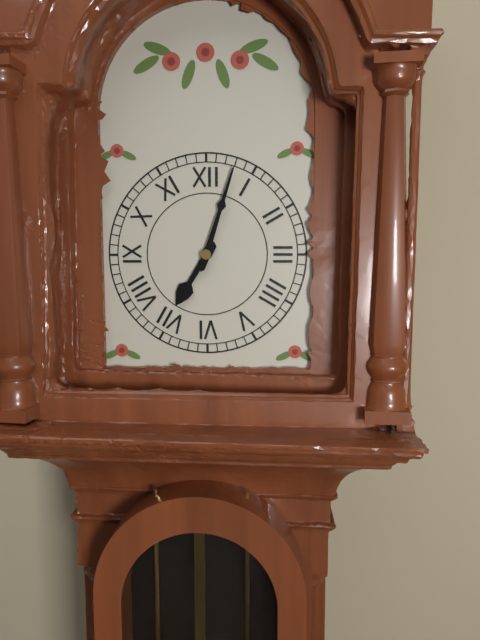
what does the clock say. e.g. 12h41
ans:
7h03
